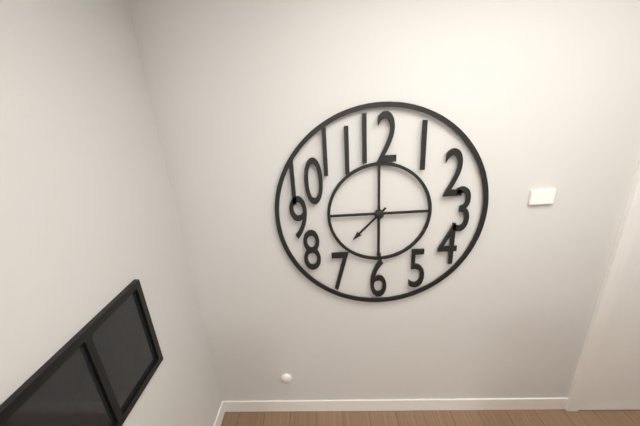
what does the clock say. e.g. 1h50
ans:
7h30
